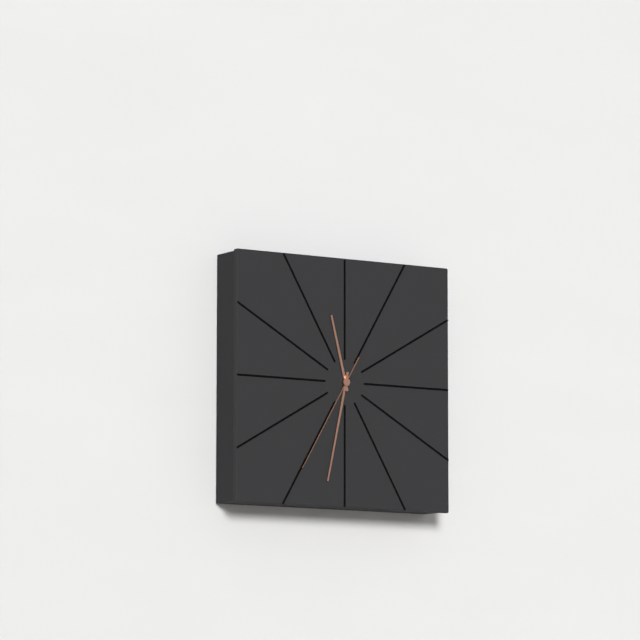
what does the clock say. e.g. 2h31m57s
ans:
11h32m35s
